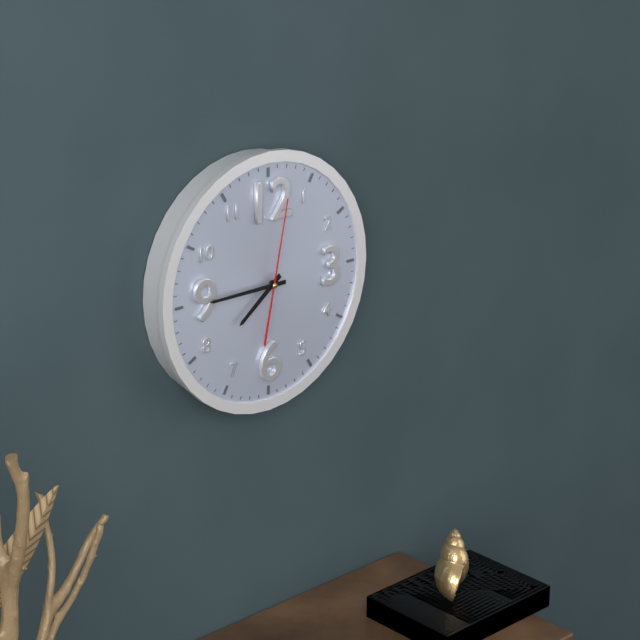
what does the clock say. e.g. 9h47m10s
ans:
7h45m02s
